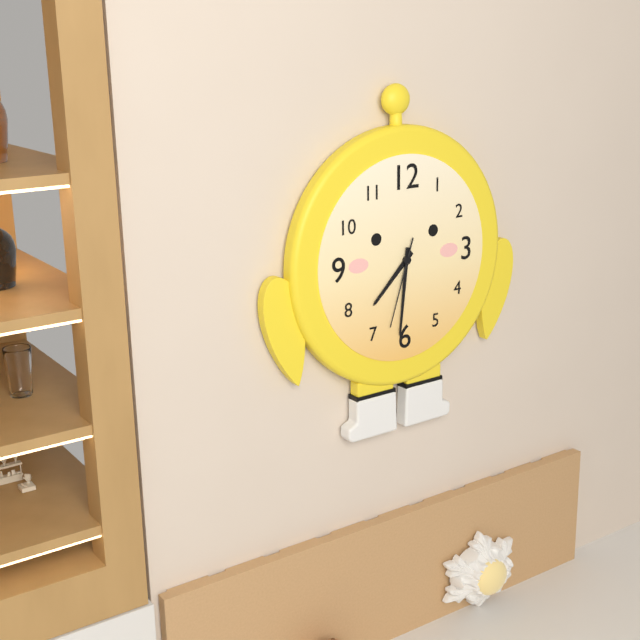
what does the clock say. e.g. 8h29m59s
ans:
7h31m33s
